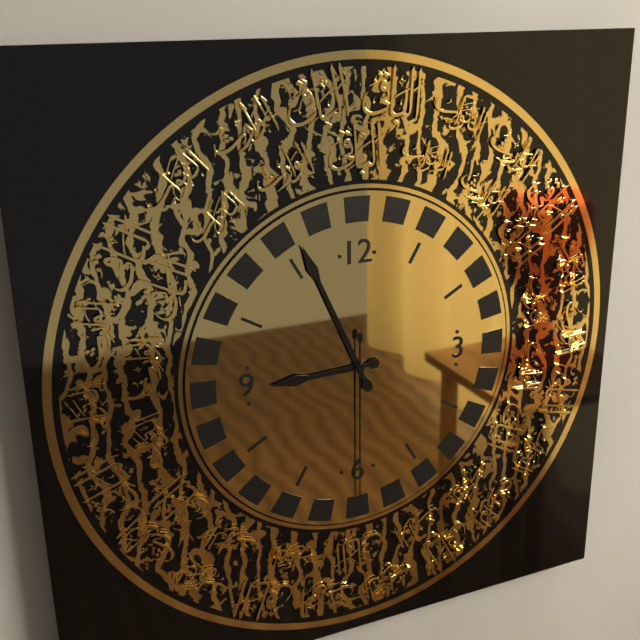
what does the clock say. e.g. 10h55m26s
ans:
8h56m30s
